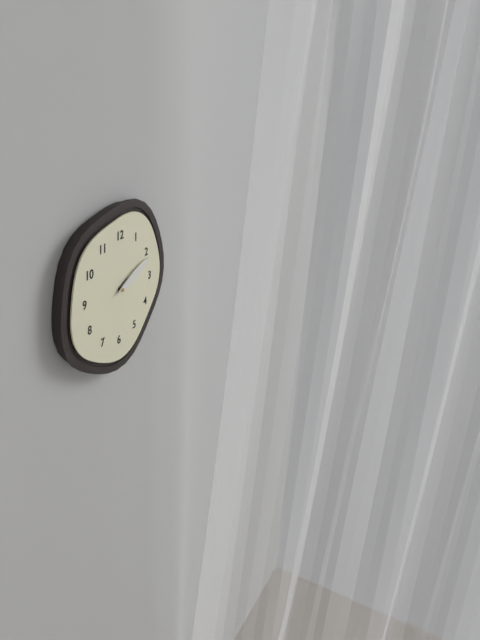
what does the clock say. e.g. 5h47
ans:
2h11
